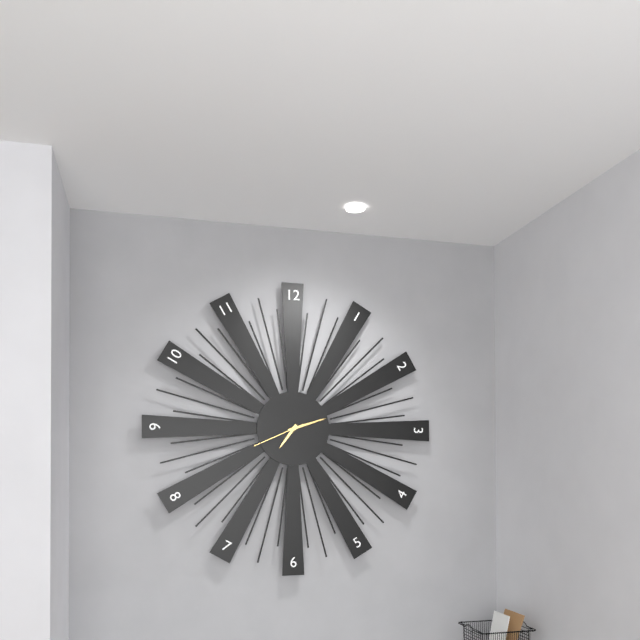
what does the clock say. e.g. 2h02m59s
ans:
7h12m41s
